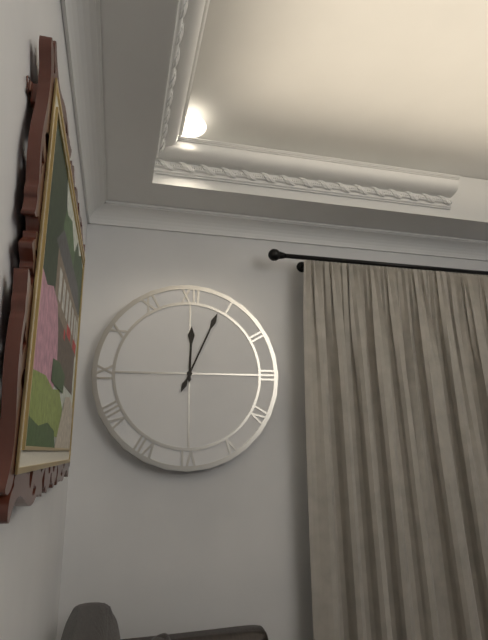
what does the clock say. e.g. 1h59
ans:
12h04
